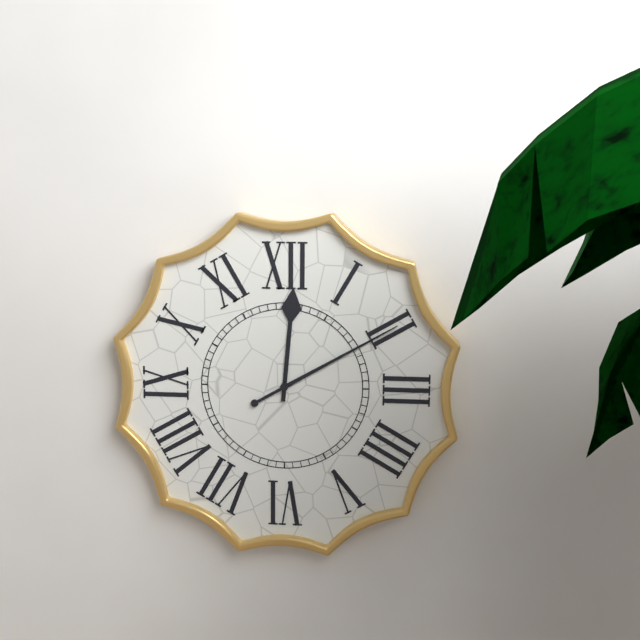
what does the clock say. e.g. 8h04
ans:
12h10
